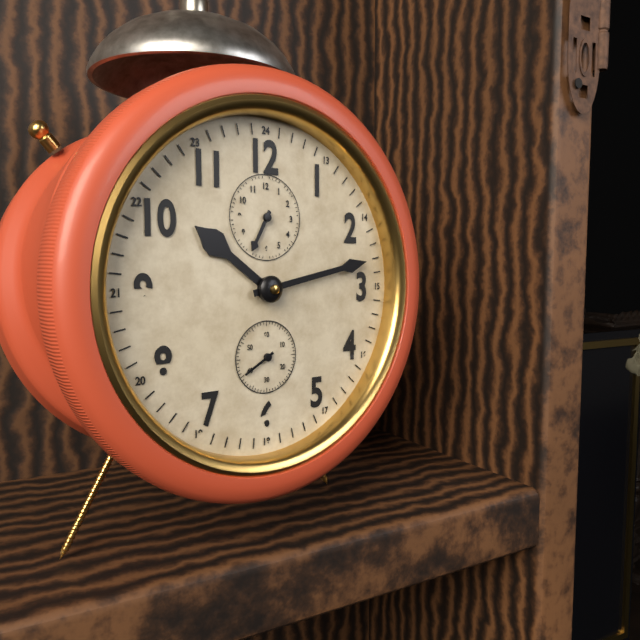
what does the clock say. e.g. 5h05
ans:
10h13
